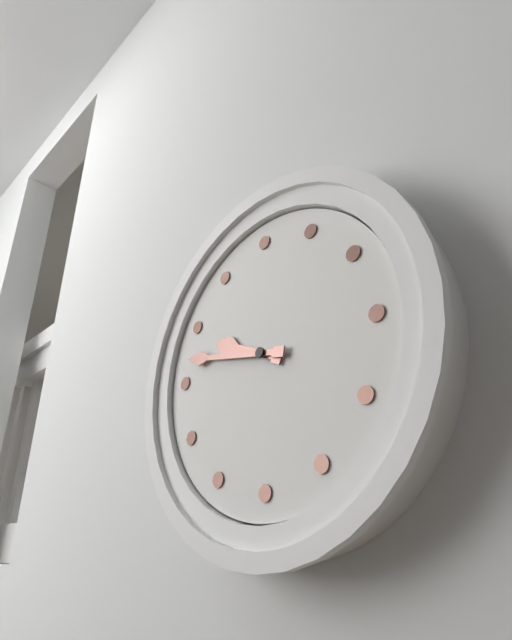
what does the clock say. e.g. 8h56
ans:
9h47
